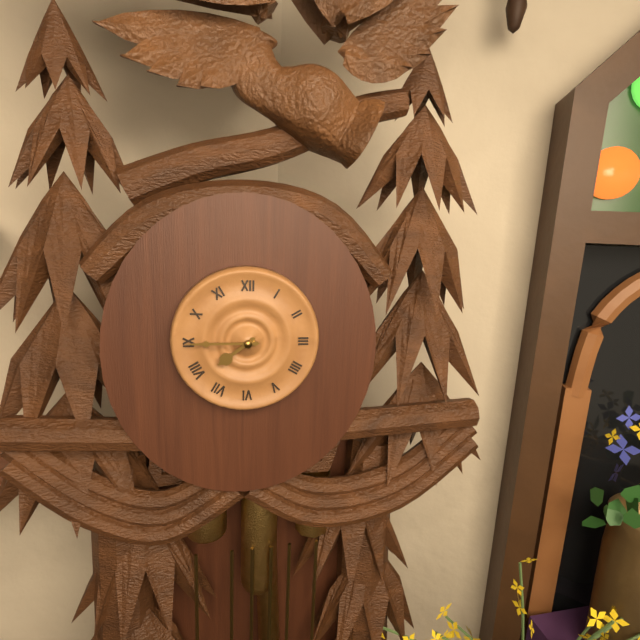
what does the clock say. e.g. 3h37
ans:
7h45
